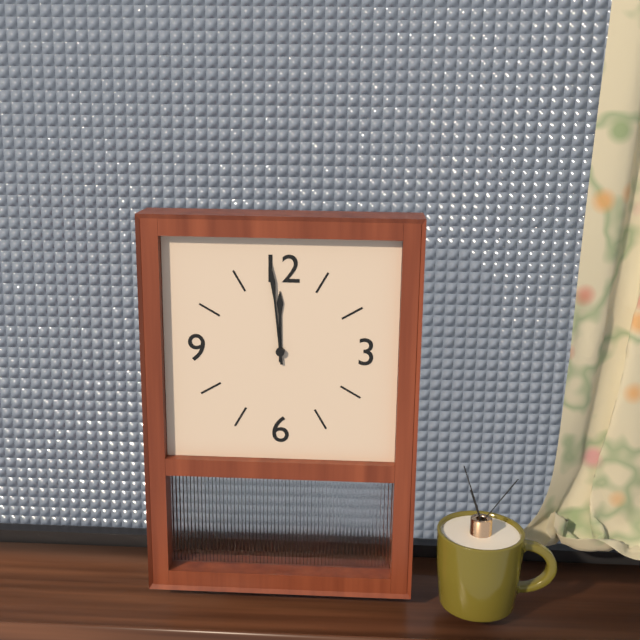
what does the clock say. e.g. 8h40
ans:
11h59
